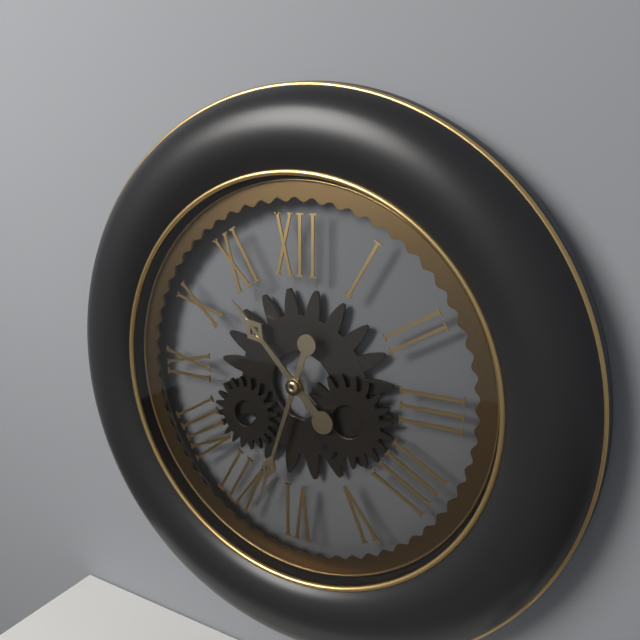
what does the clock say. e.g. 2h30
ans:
10h33
